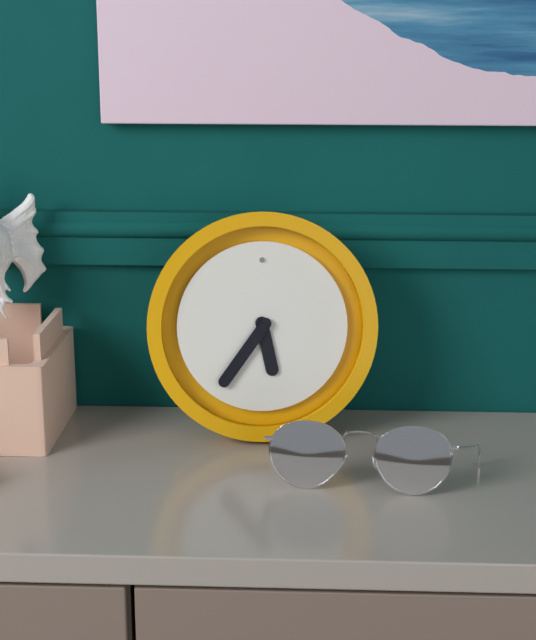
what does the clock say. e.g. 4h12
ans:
5h36
